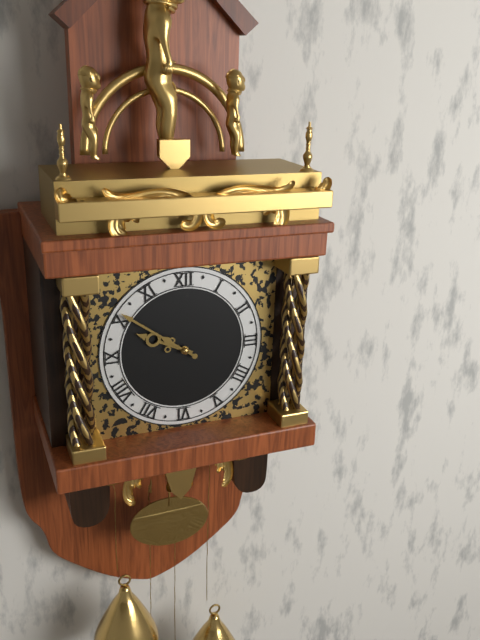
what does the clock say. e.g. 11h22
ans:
9h51
